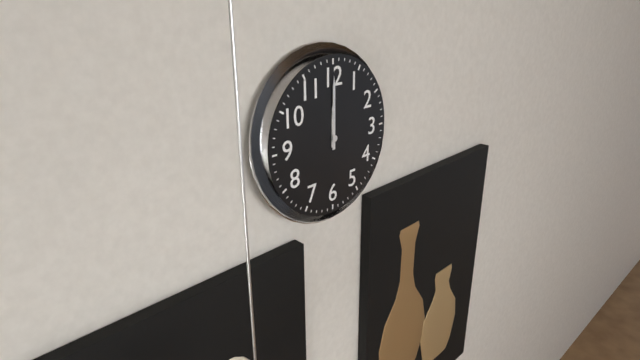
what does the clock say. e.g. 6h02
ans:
12h00
